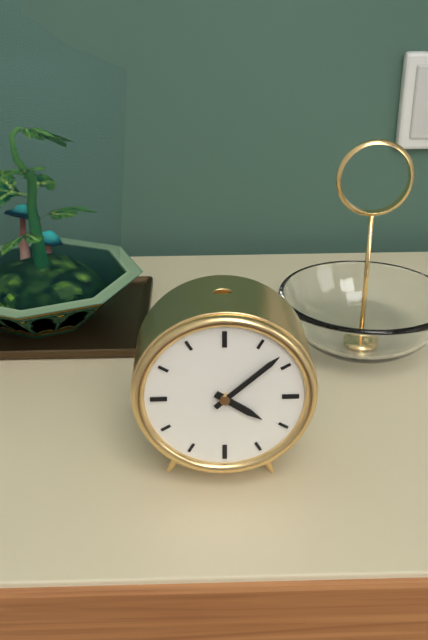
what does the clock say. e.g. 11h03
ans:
4h08
